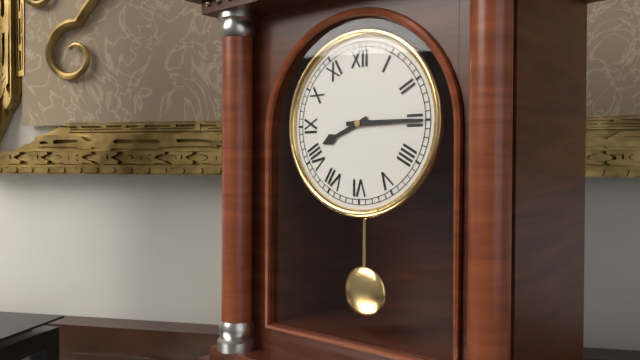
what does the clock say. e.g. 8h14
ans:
8h15
